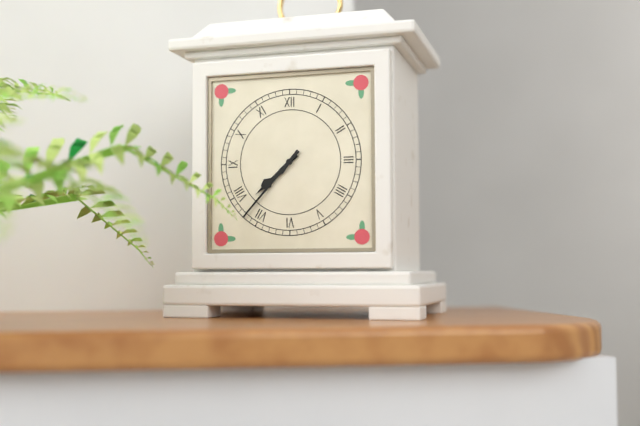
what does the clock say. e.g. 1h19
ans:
7h37
